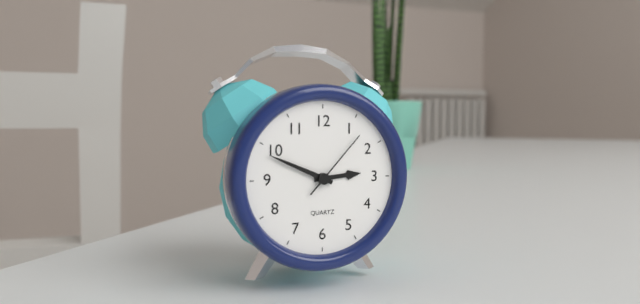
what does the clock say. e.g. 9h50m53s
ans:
2h49m07s
